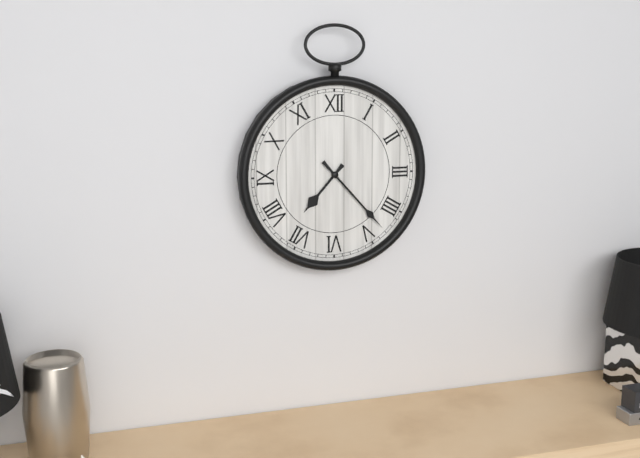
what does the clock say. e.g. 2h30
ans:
7h23
